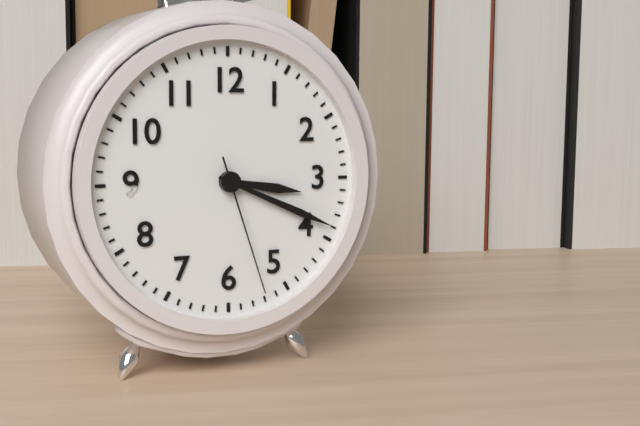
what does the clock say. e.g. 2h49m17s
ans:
3h19m27s
